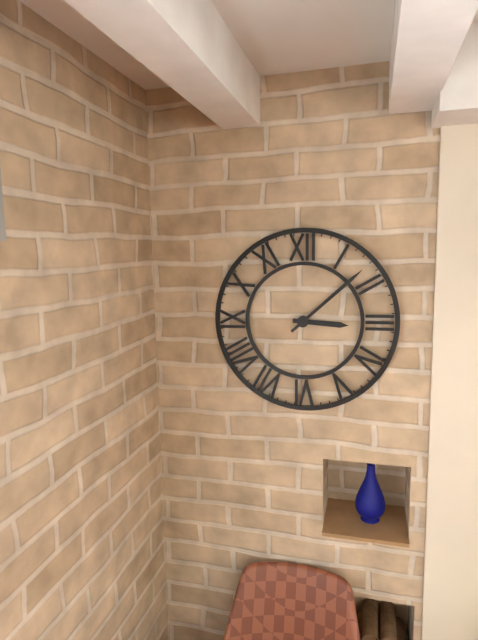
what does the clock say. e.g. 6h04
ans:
3h08
